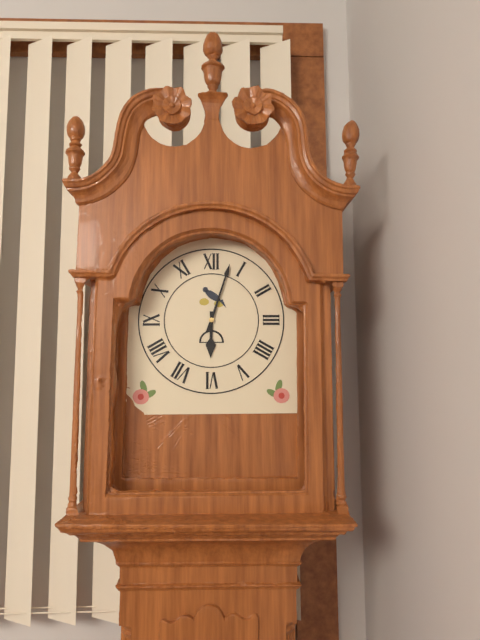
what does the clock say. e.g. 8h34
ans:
6h03
